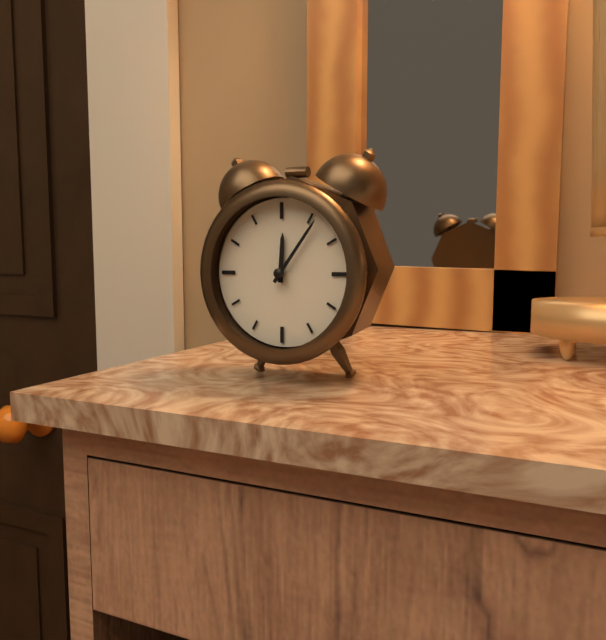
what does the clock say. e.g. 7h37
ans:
12h06
